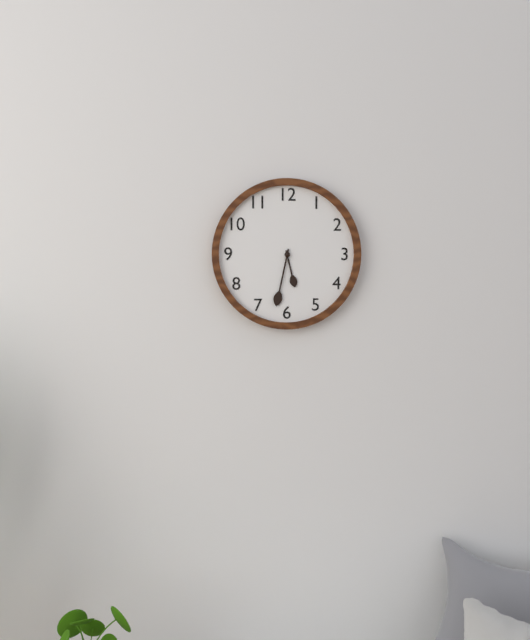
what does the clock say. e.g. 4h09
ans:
5h32
